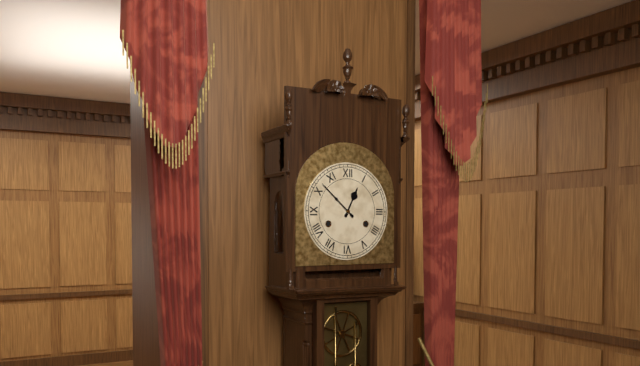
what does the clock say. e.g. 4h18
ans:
12h52
